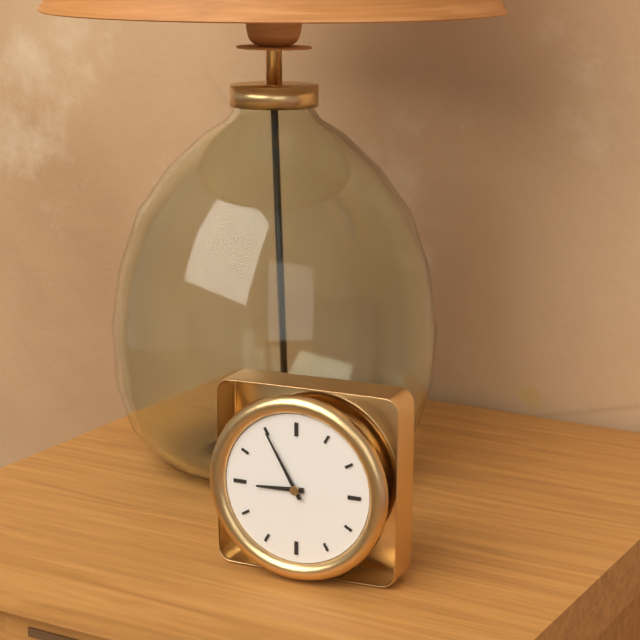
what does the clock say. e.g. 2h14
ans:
8h55
